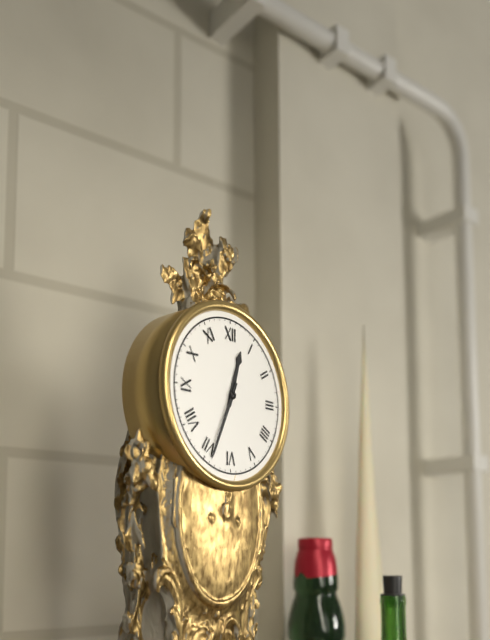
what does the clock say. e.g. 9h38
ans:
12h34
